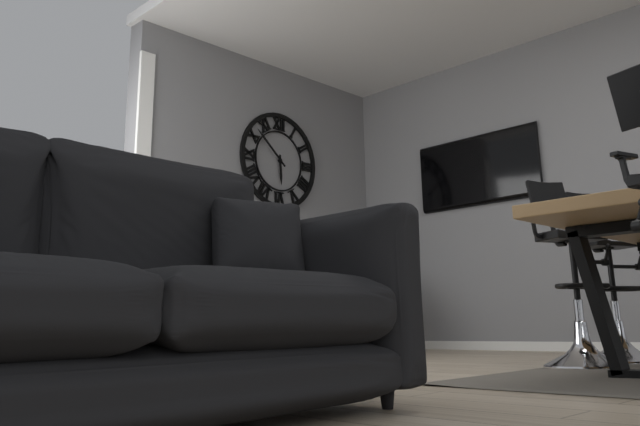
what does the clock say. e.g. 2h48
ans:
5h52
